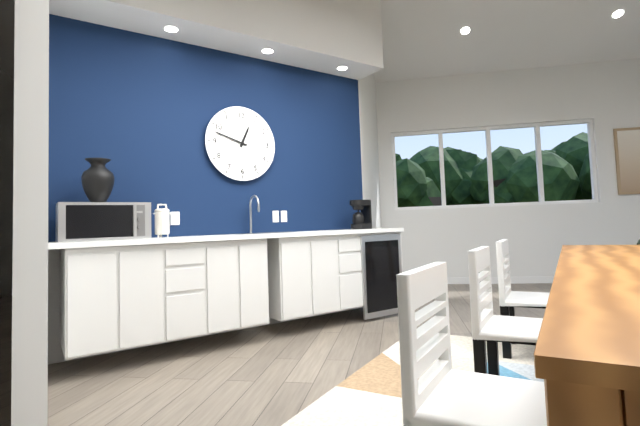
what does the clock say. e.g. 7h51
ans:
12h48
